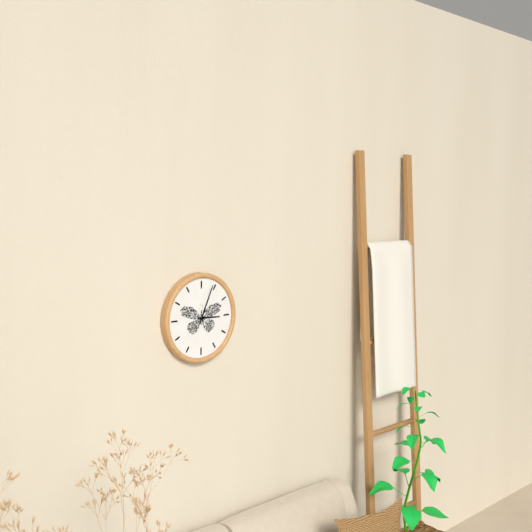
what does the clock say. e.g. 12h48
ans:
3h04
